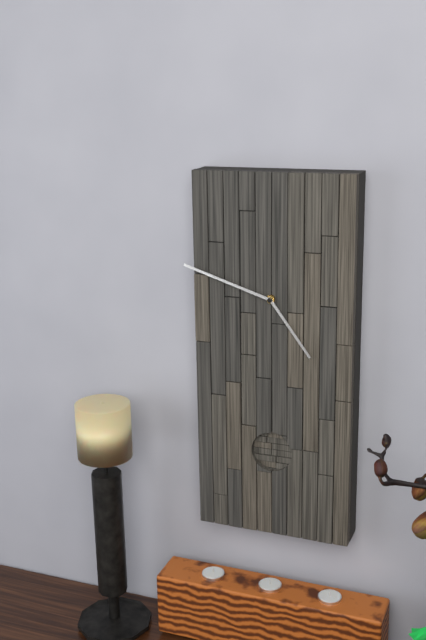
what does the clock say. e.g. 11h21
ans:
4h48
